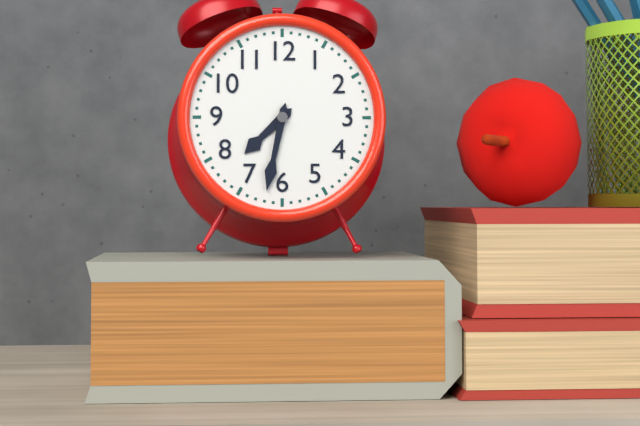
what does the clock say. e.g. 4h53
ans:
7h32
